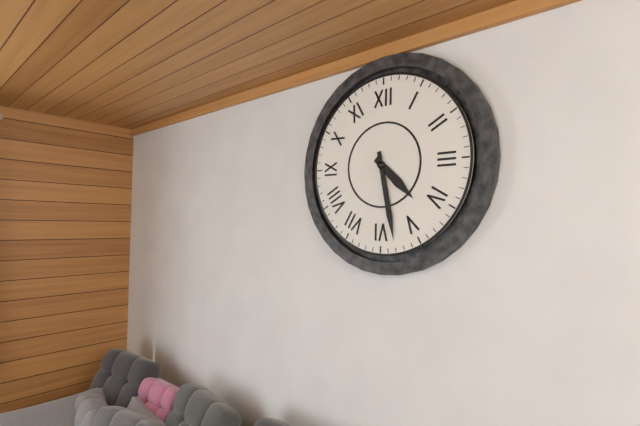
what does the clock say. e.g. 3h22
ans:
4h28
